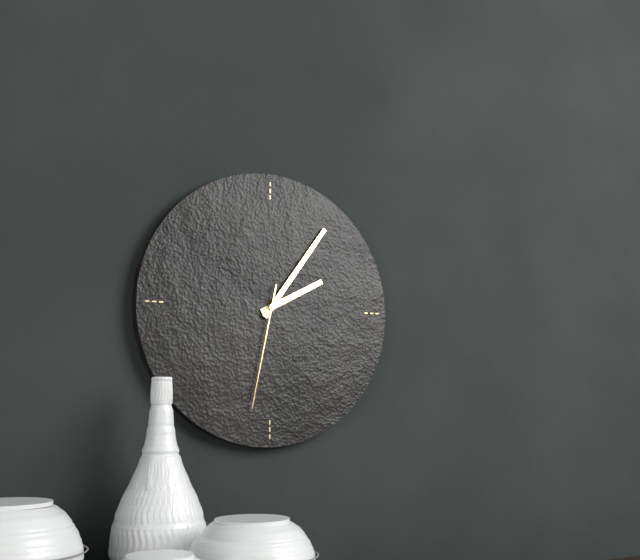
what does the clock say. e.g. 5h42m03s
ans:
2h06m32s
